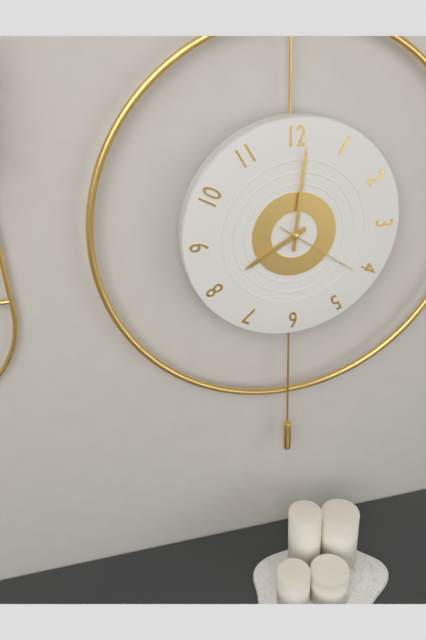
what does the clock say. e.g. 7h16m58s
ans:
8h01m21s
